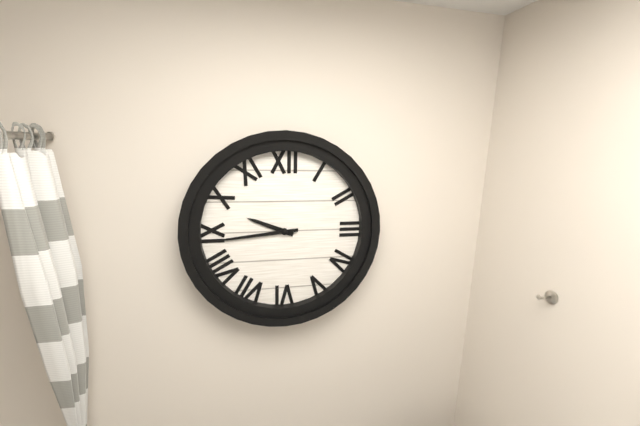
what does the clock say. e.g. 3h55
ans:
9h44
